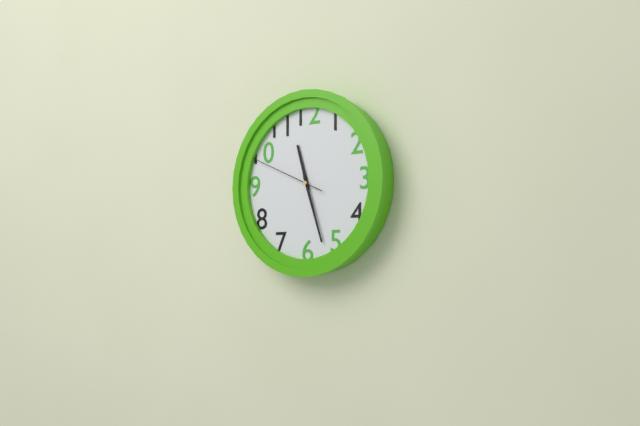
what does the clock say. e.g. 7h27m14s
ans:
11h27m49s
